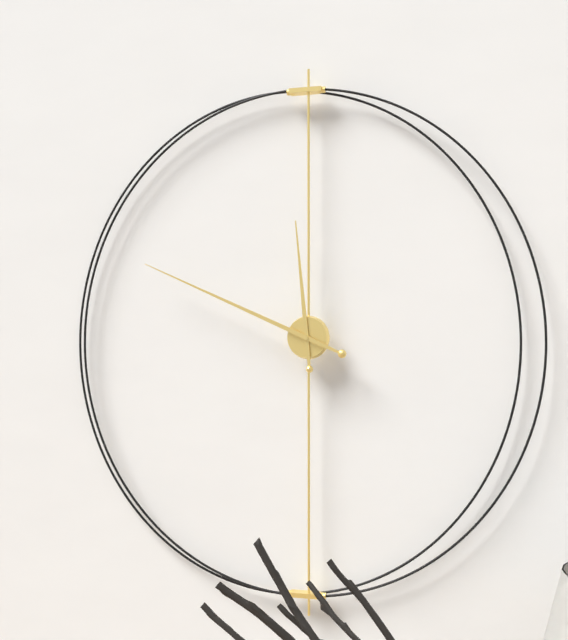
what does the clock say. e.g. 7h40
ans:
11h49
